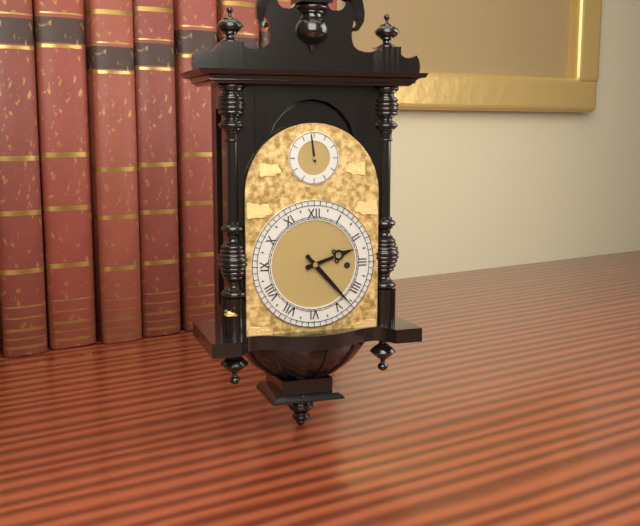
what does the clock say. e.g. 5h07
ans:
2h23
